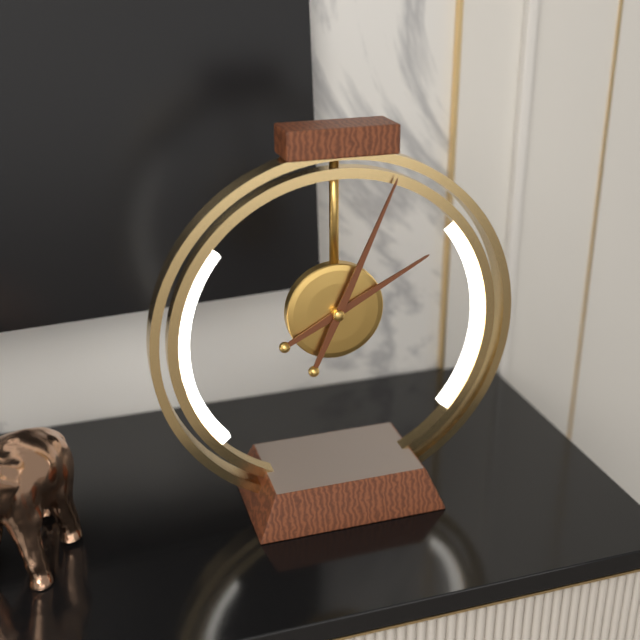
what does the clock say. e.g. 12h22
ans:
2h04
